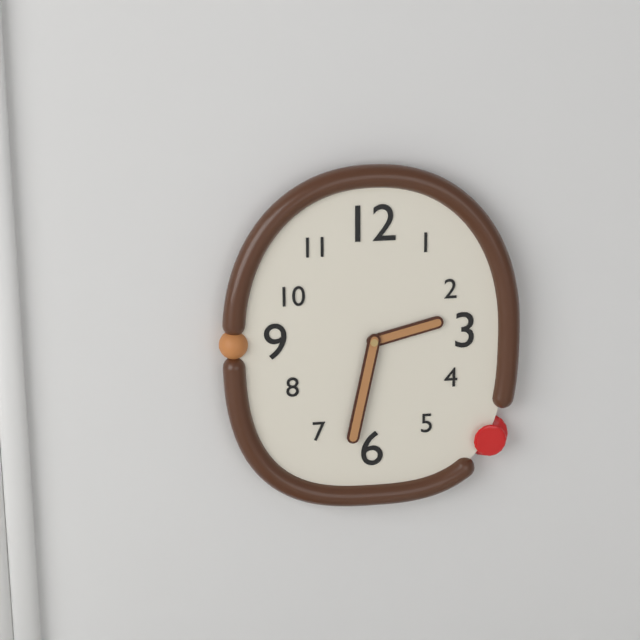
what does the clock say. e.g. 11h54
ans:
2h32
